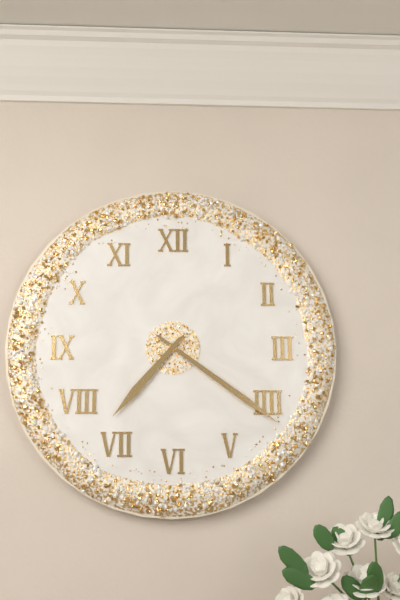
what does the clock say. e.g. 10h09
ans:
7h21
